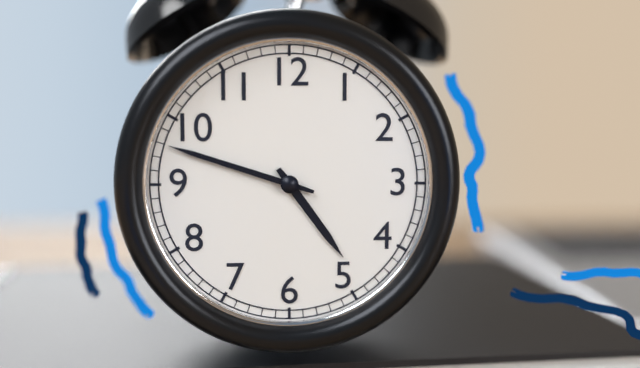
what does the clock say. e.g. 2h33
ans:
4h48
